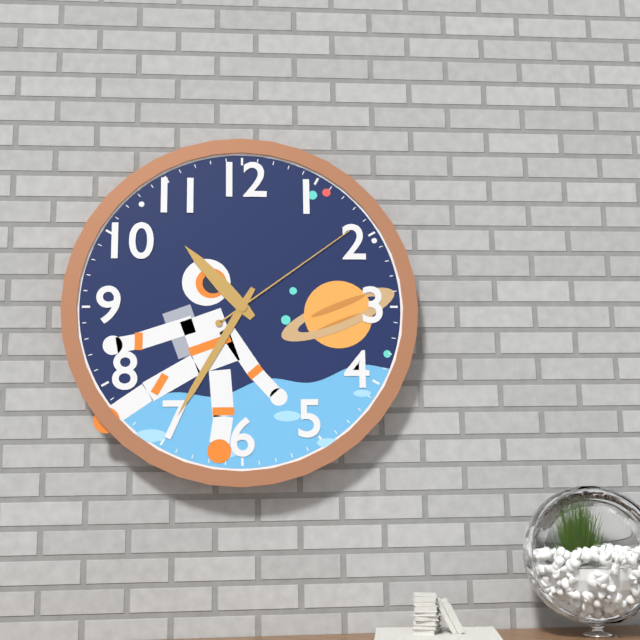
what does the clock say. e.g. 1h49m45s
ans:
10h35m09s
